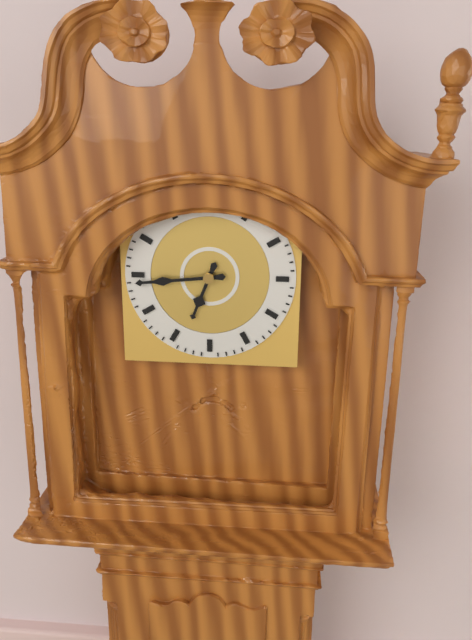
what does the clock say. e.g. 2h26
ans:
6h44
